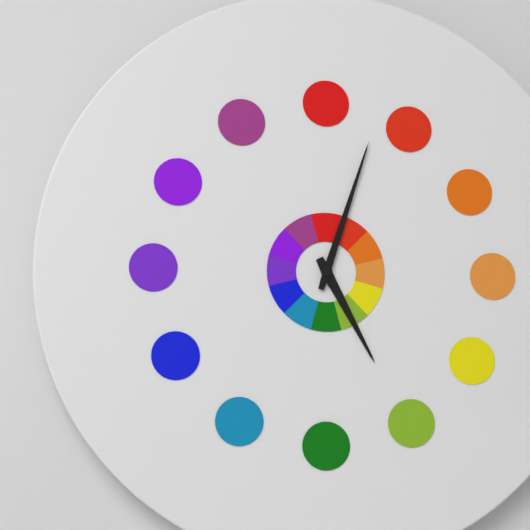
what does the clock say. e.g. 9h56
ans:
5h03
